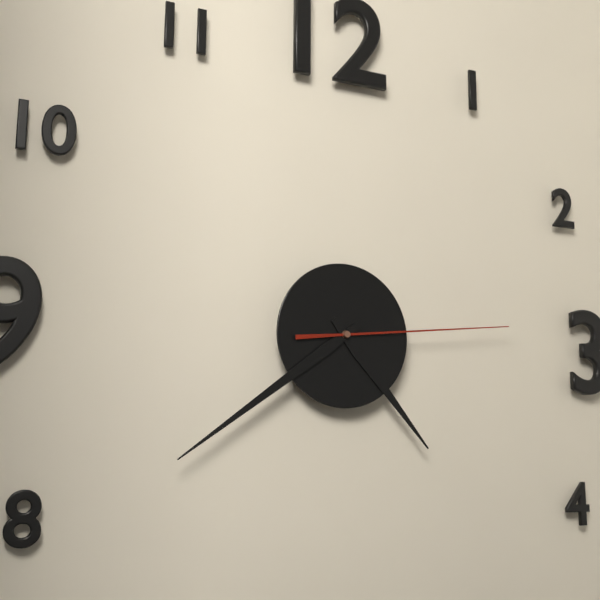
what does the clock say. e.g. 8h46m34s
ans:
4h39m14s
